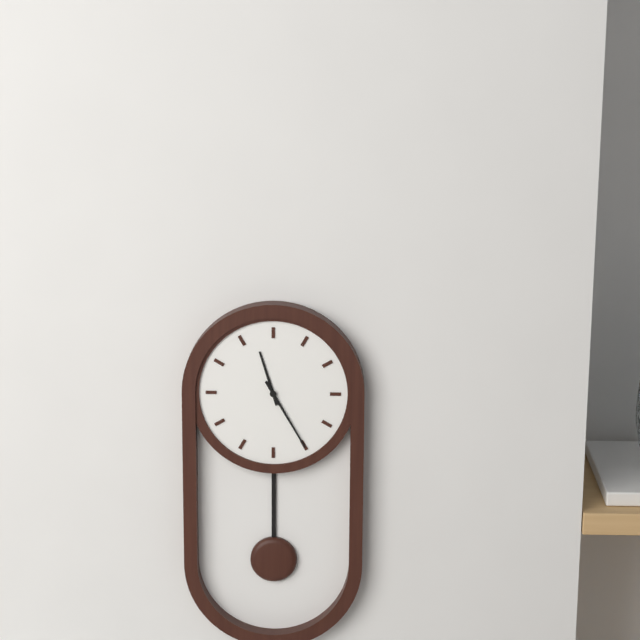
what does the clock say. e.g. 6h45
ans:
11h25
